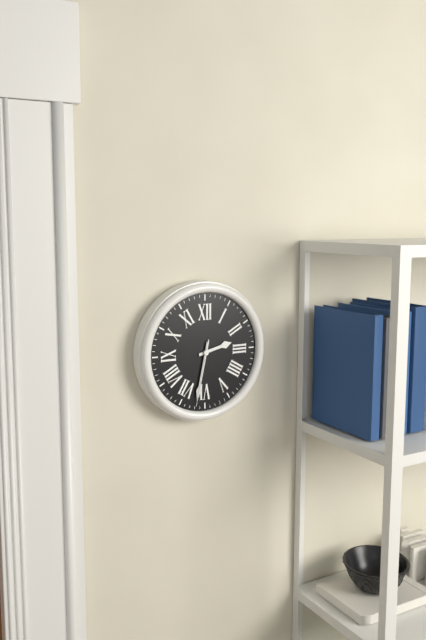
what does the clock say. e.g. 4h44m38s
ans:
2h32m32s
